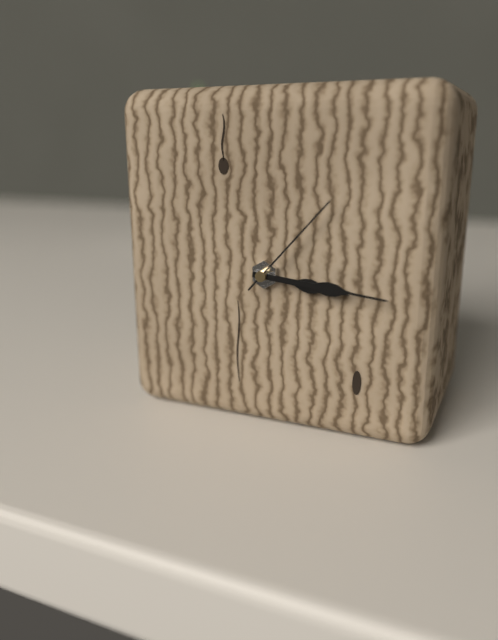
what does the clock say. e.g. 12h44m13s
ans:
3h16m07s
